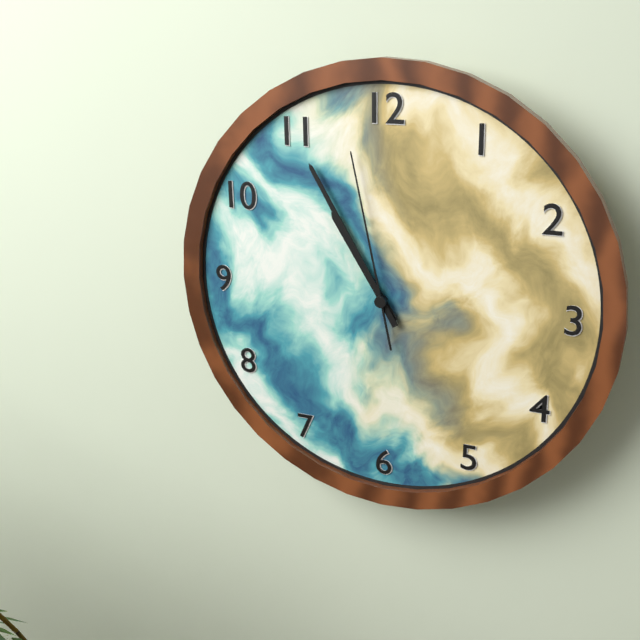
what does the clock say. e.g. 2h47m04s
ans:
10h55m58s
